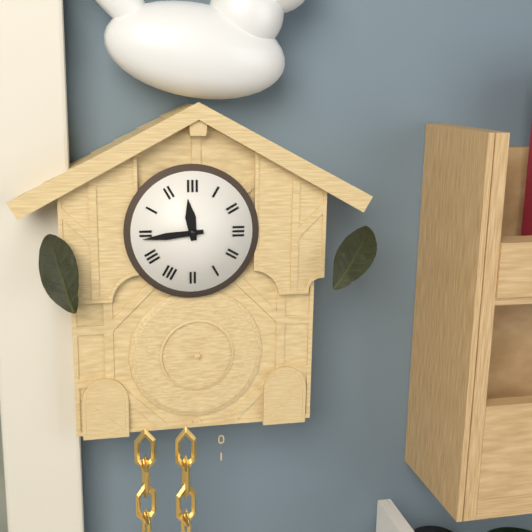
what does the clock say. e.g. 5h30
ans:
11h44
